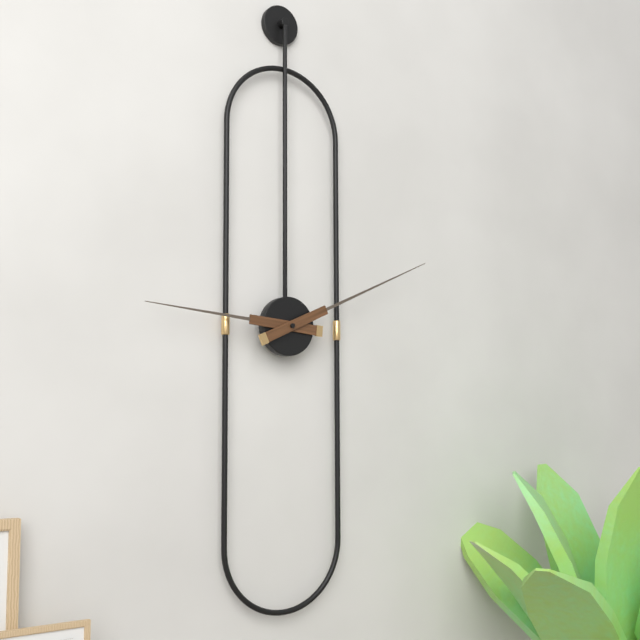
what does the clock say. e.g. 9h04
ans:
9h11
